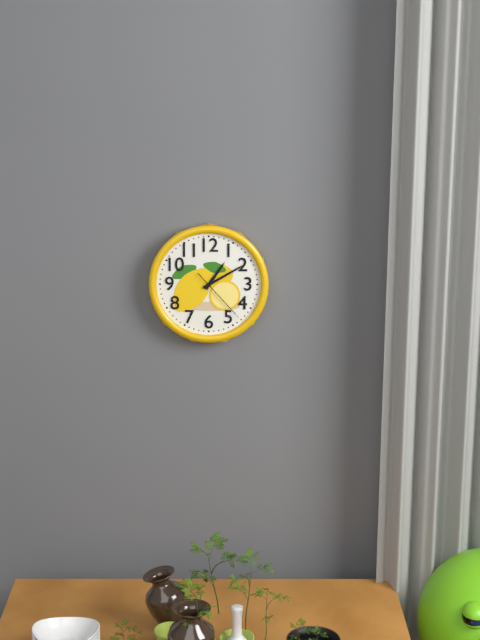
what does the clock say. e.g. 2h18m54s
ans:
1h10m23s
